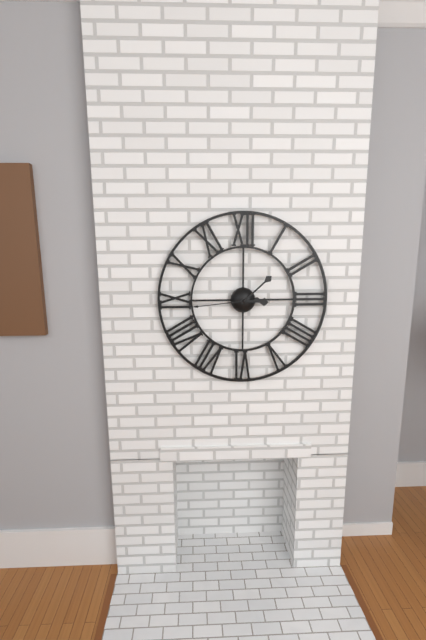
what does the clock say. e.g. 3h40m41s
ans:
3h08m44s
